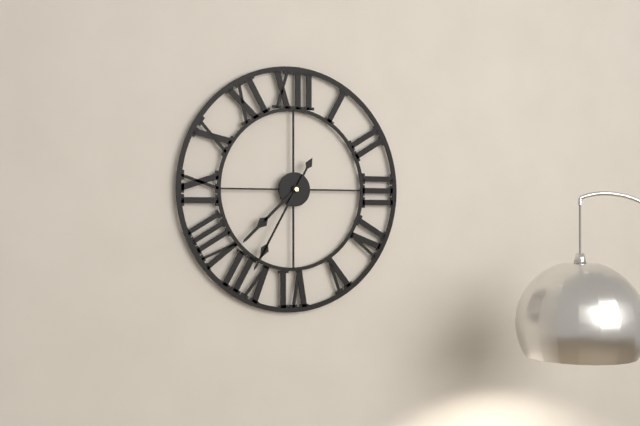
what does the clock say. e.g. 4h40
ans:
7h35
